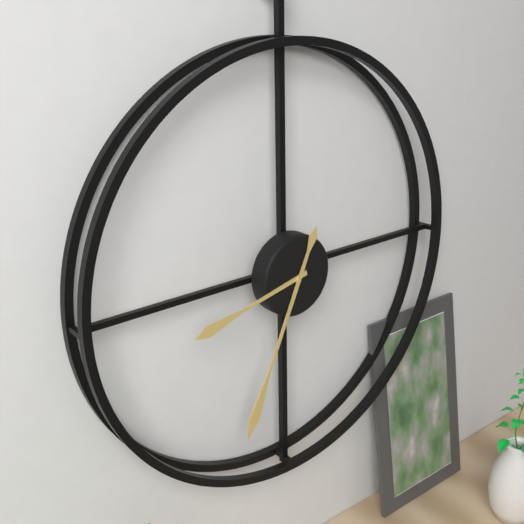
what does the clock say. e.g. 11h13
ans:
8h34
